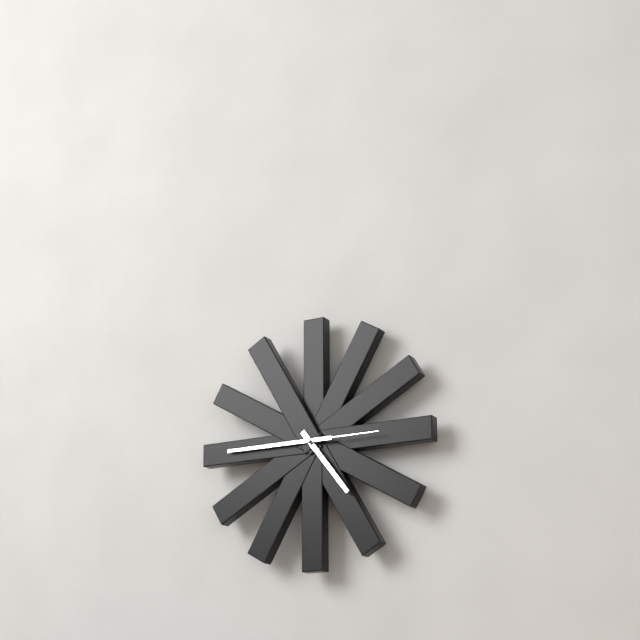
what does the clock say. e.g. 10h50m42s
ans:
4h45m15s
